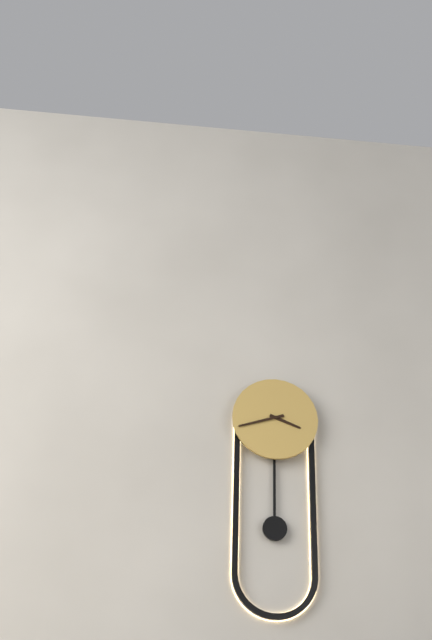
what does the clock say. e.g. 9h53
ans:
3h42
